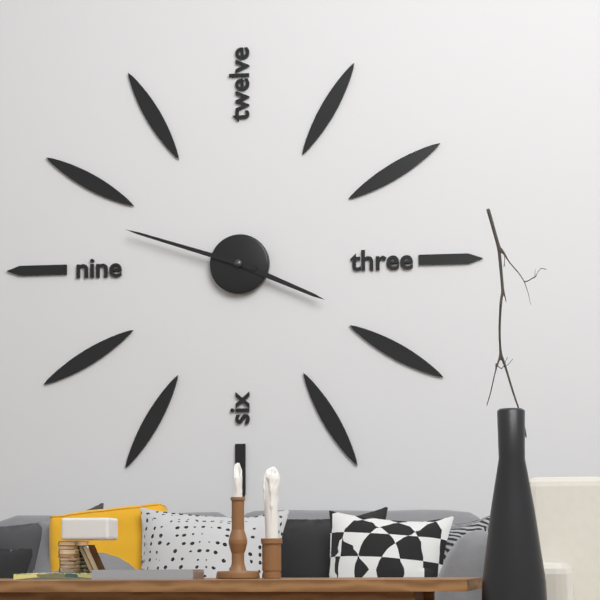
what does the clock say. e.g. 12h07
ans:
3h48
